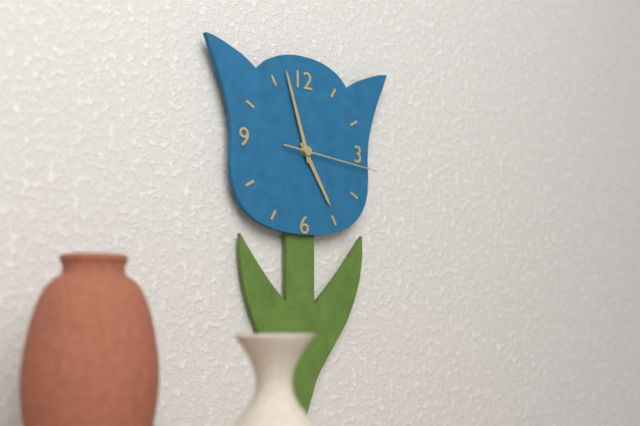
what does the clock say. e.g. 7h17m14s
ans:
4h57m16s
